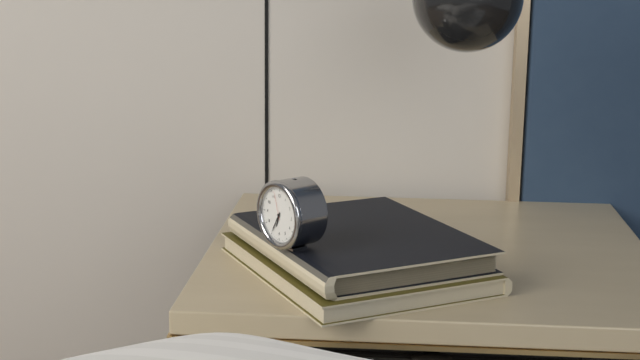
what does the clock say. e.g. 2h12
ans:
6h35
